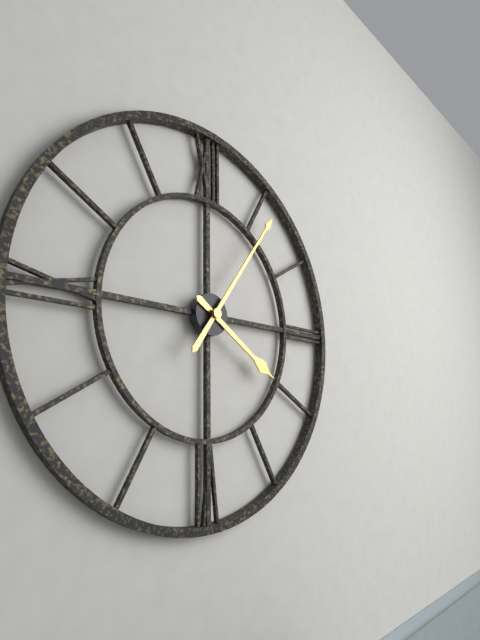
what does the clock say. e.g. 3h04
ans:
4h06
